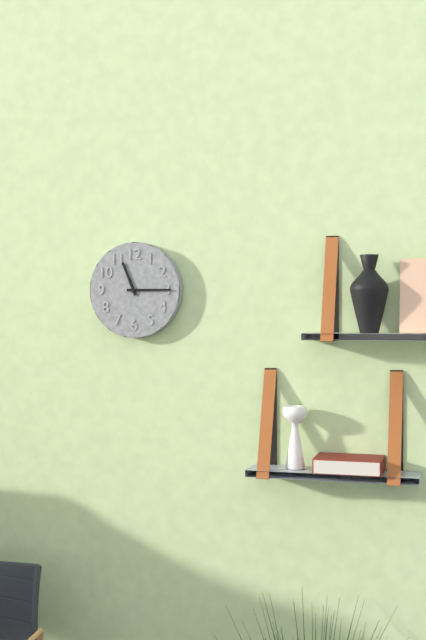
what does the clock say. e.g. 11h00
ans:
11h15
